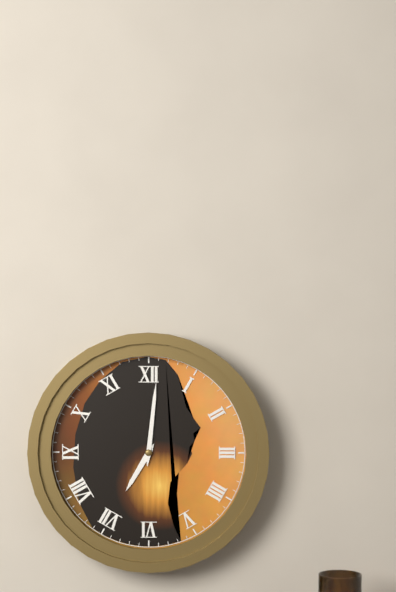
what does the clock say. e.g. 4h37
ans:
7h01
